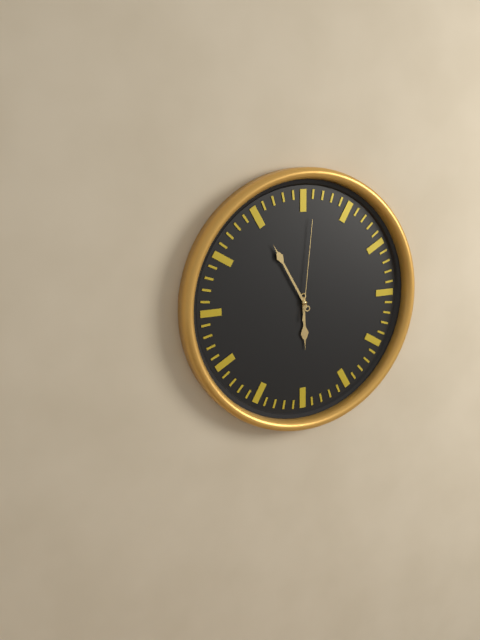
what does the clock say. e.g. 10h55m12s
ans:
5h55m01s
